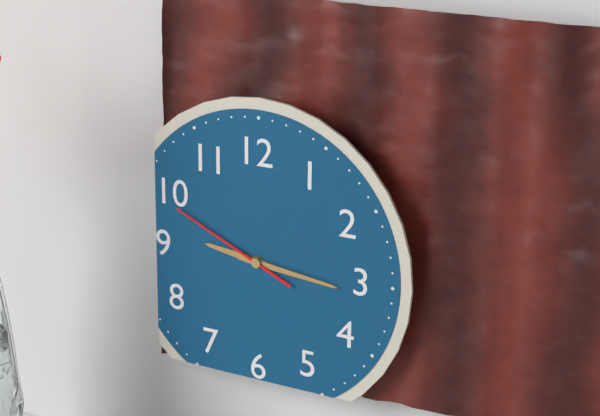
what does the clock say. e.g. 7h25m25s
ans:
9h16m49s
